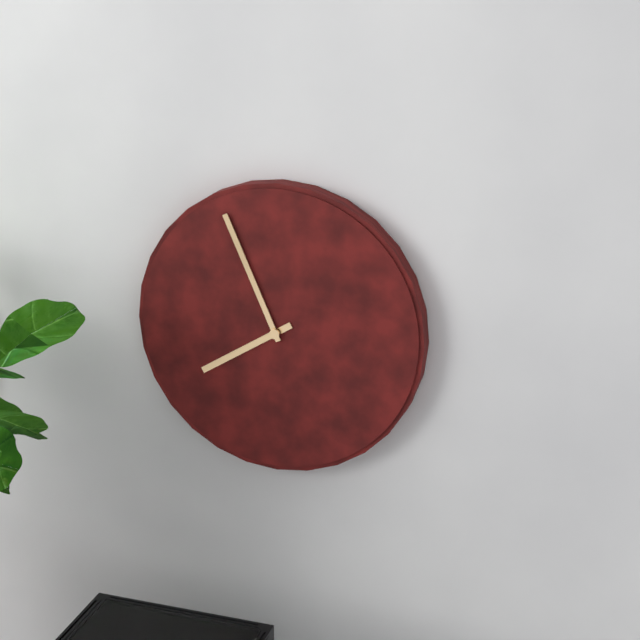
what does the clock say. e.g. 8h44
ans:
7h56
